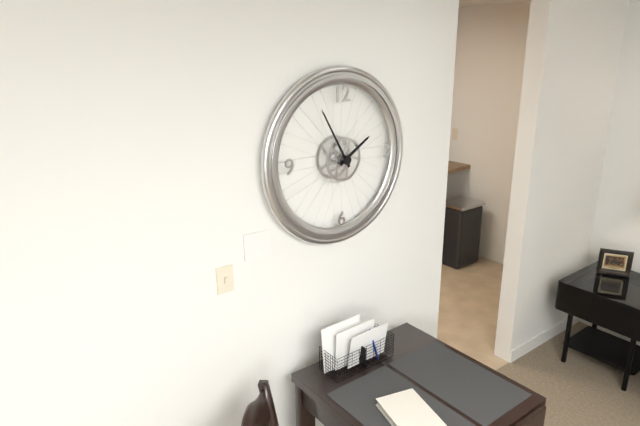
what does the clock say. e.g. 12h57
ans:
1h55
